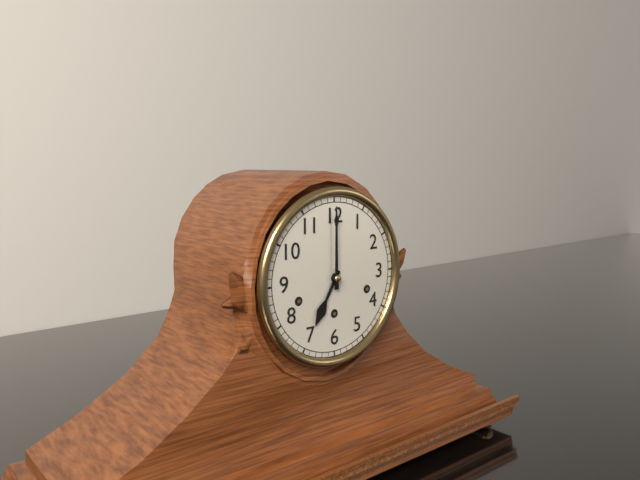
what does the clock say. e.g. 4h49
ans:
7h00
